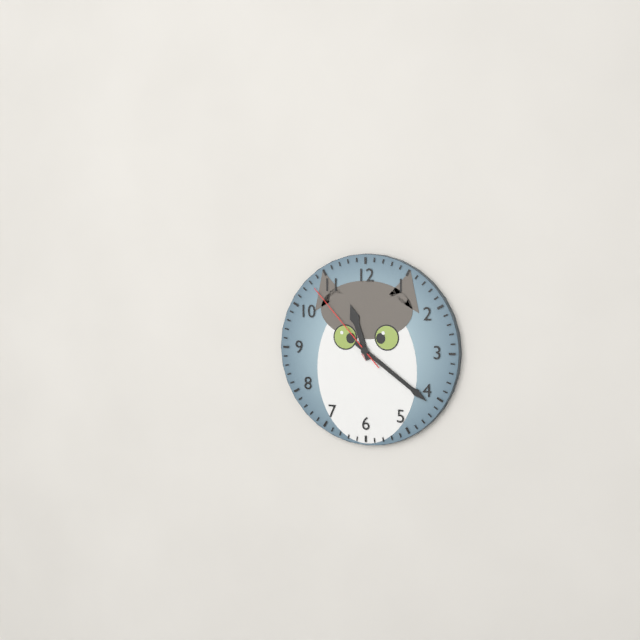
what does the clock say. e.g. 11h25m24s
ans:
11h21m53s
